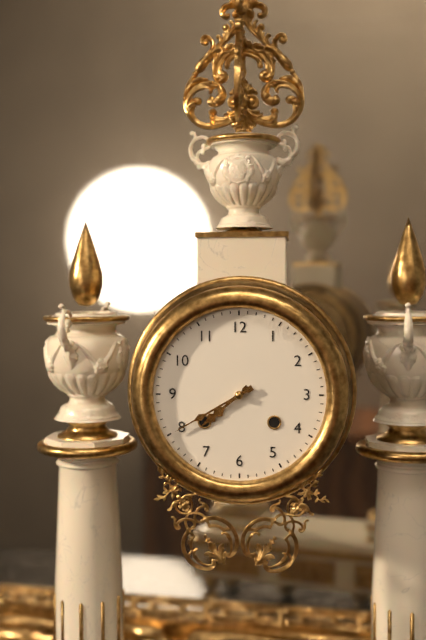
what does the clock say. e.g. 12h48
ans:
7h40
